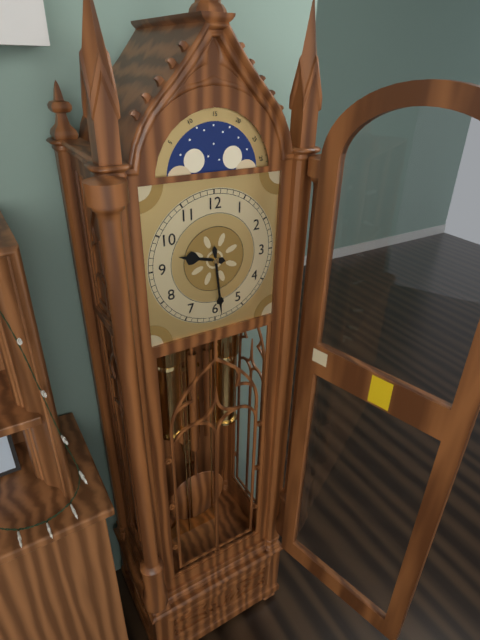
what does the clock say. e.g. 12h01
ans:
9h29
